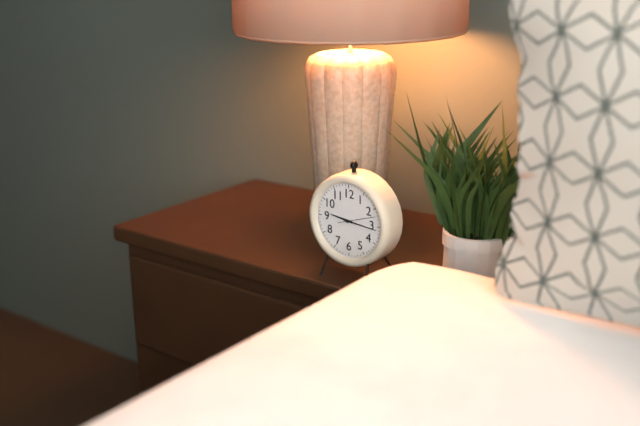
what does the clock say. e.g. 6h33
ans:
9h16
